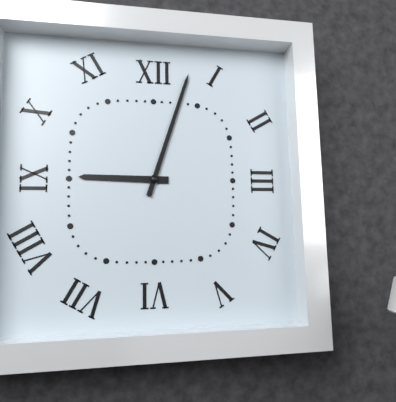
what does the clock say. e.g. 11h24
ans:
9h03
